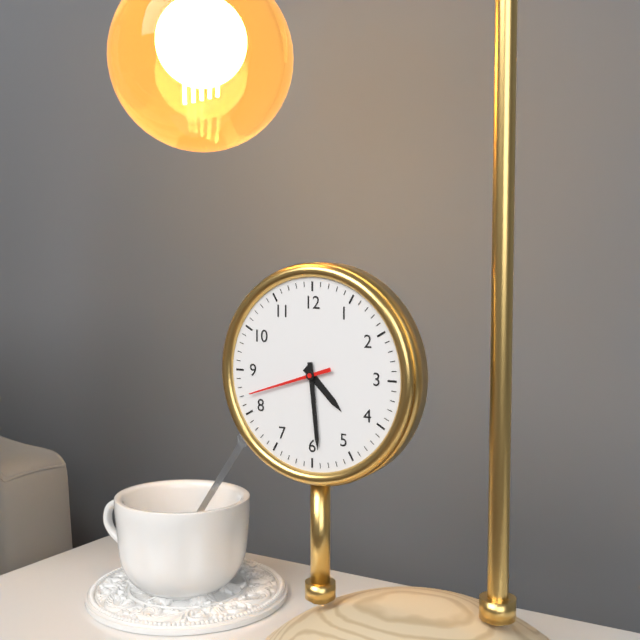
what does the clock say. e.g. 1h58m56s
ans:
4h29m42s
